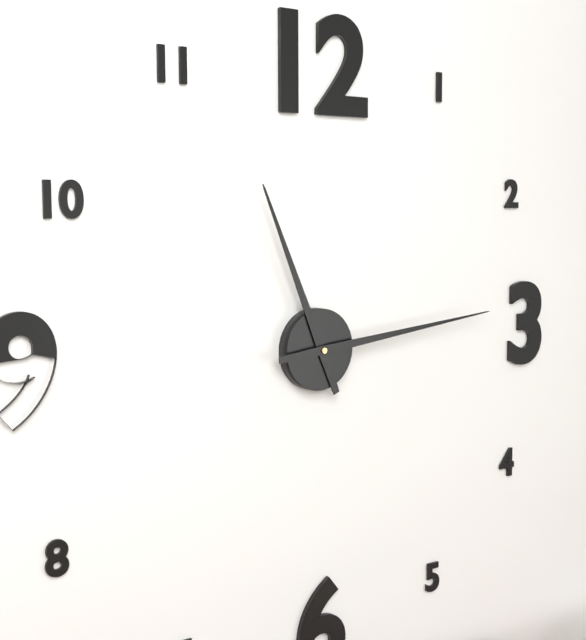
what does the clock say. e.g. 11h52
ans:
11h14
